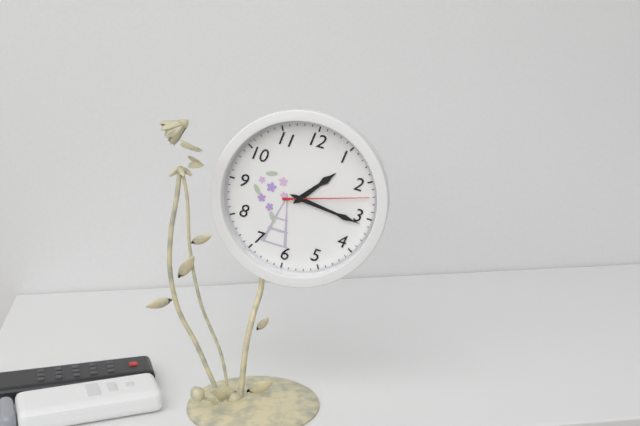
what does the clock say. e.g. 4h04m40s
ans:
1h16m12s
